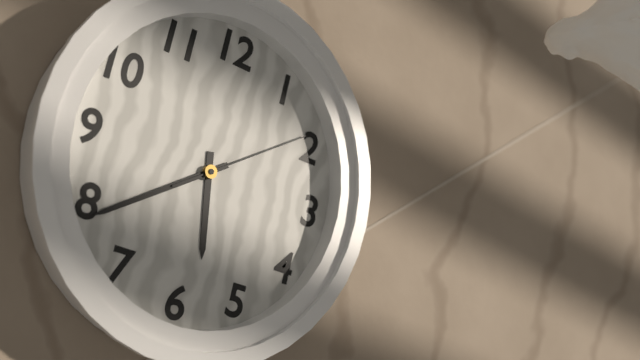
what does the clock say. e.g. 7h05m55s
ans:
5h39m09s
